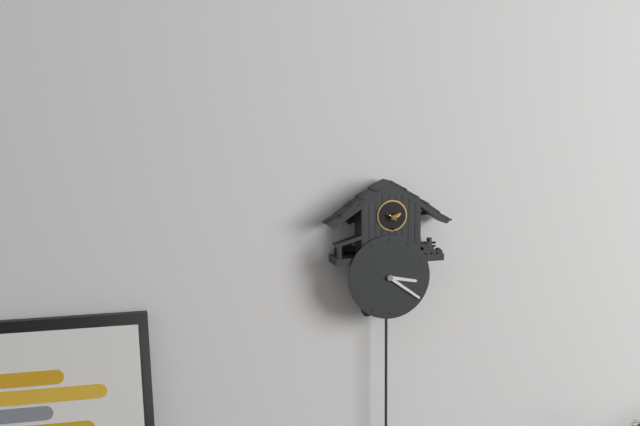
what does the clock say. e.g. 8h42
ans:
3h21
